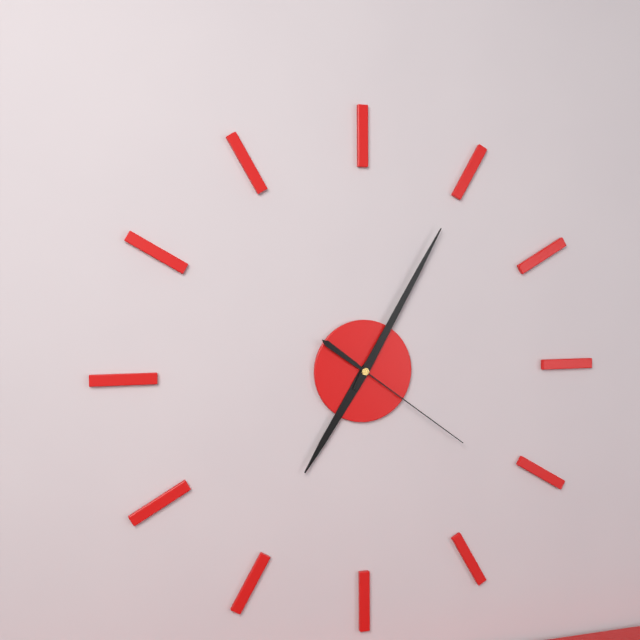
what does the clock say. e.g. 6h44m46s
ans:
7h05m21s
